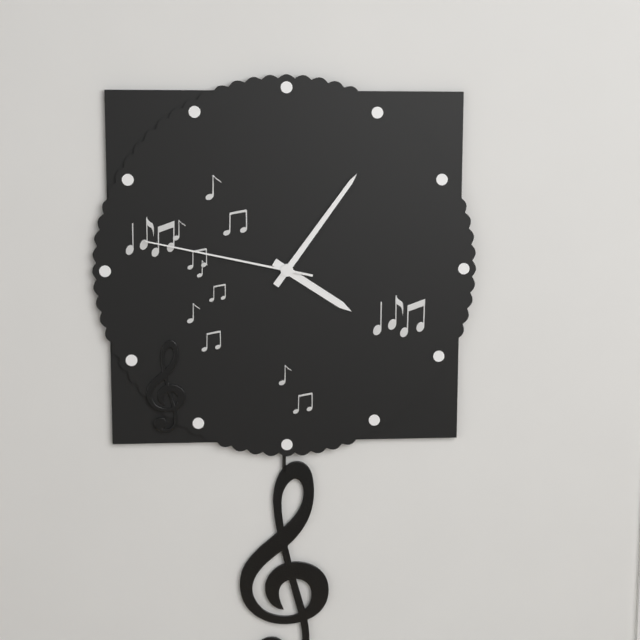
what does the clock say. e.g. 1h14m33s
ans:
4h06m47s
